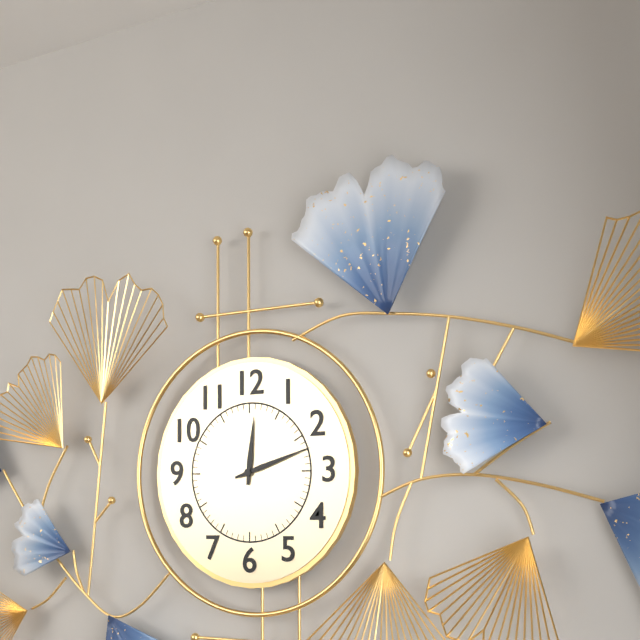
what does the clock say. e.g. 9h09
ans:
12h12
